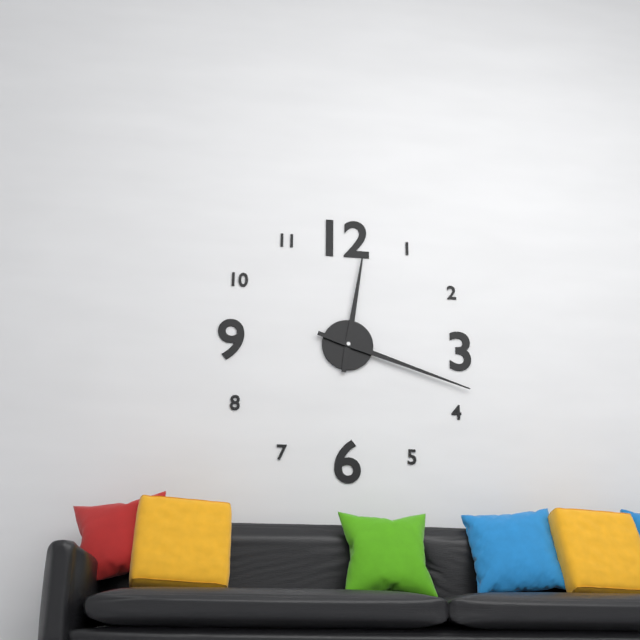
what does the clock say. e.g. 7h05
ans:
12h18
